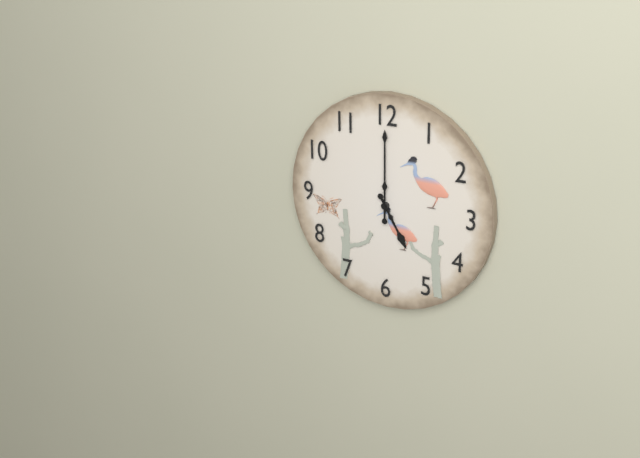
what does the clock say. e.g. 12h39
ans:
5h00
